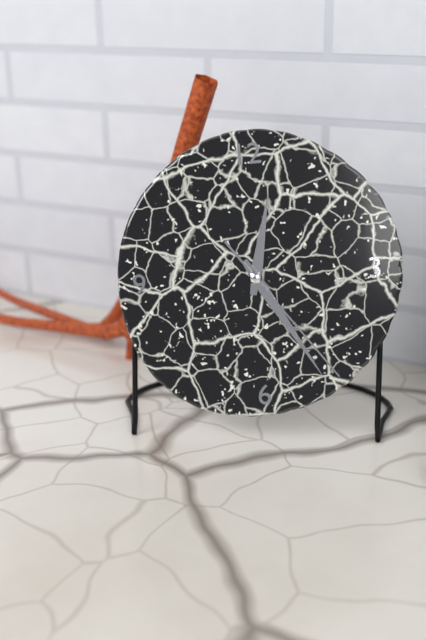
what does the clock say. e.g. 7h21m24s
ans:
12h25m24s
